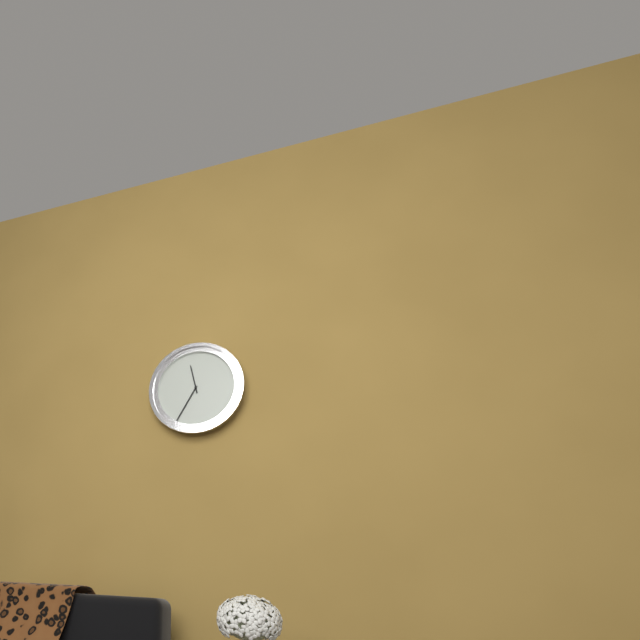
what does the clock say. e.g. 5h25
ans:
11h35
